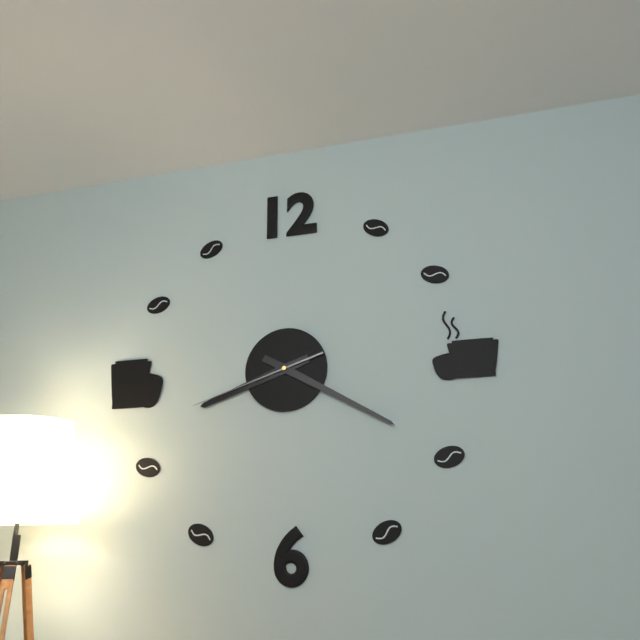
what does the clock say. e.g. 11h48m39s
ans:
8h20m42s
